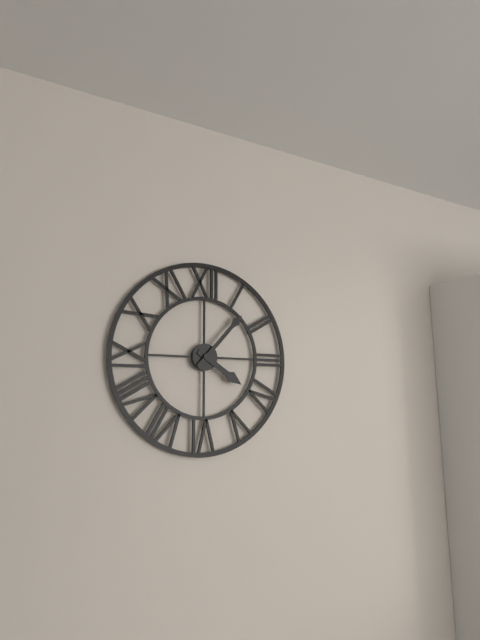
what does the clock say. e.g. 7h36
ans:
4h07
